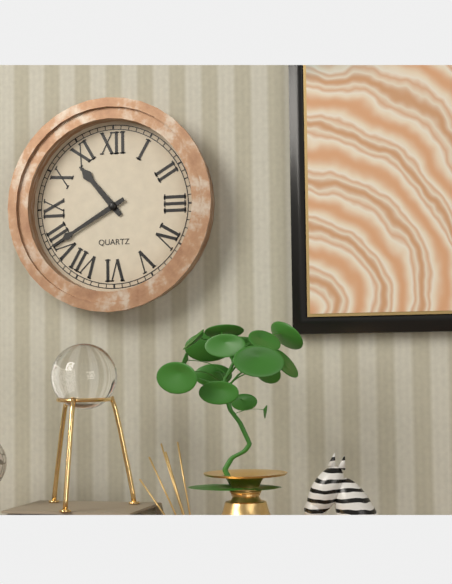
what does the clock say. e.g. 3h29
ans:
10h40
